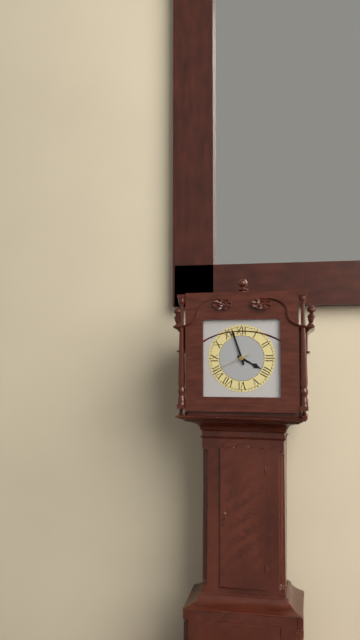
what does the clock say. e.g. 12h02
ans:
3h57
